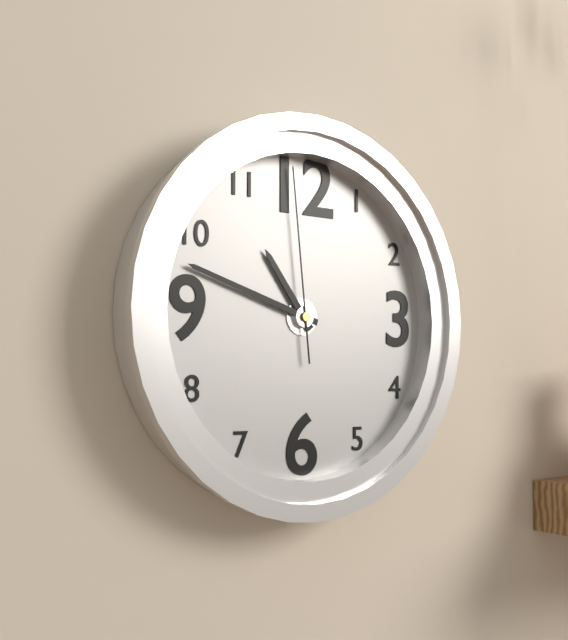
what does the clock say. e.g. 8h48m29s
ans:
10h48m59s
